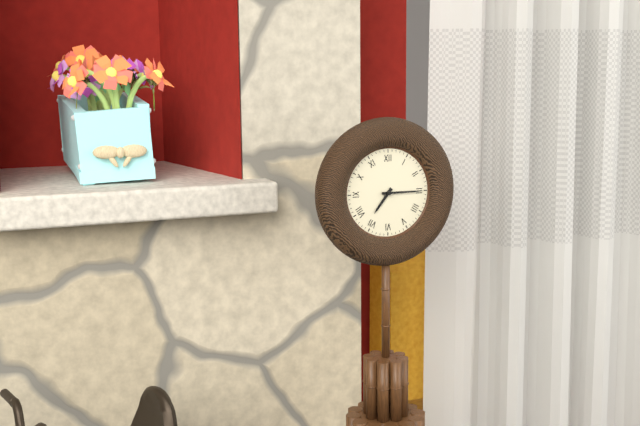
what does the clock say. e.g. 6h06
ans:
7h15
